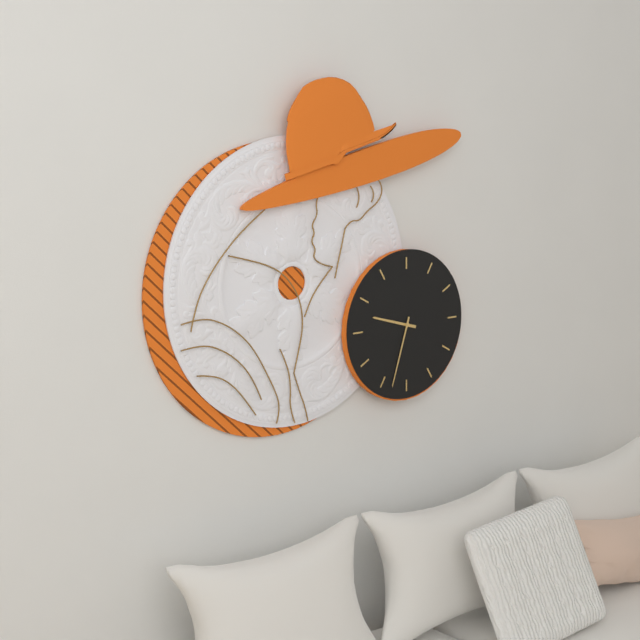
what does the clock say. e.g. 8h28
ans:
9h33
